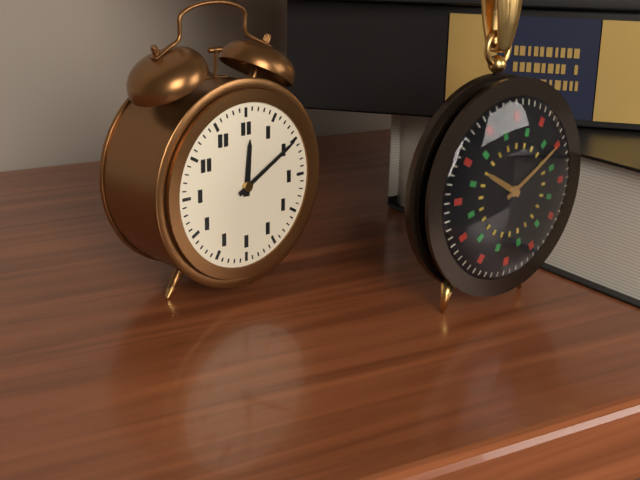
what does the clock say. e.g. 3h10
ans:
12h10
